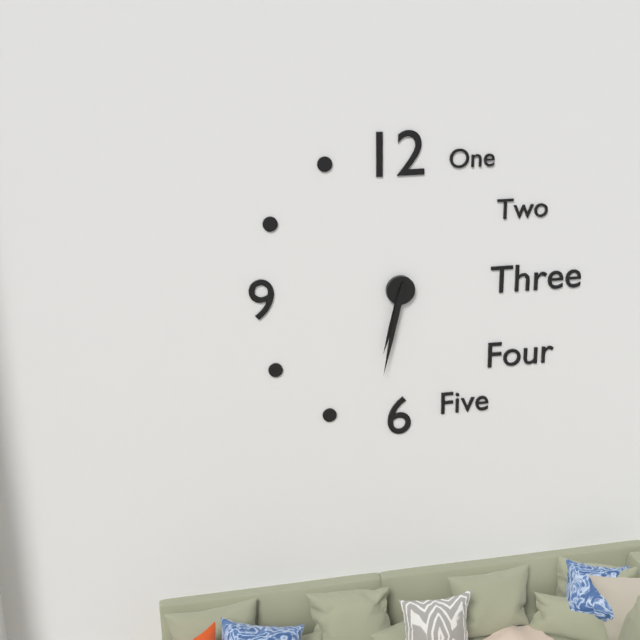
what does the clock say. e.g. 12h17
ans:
6h32
